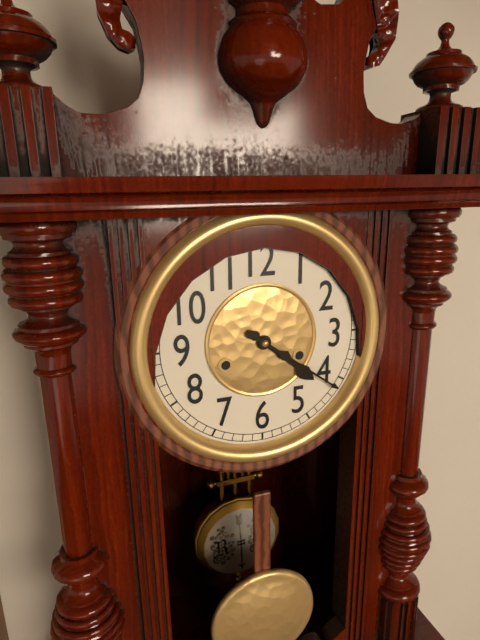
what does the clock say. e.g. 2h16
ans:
4h21
